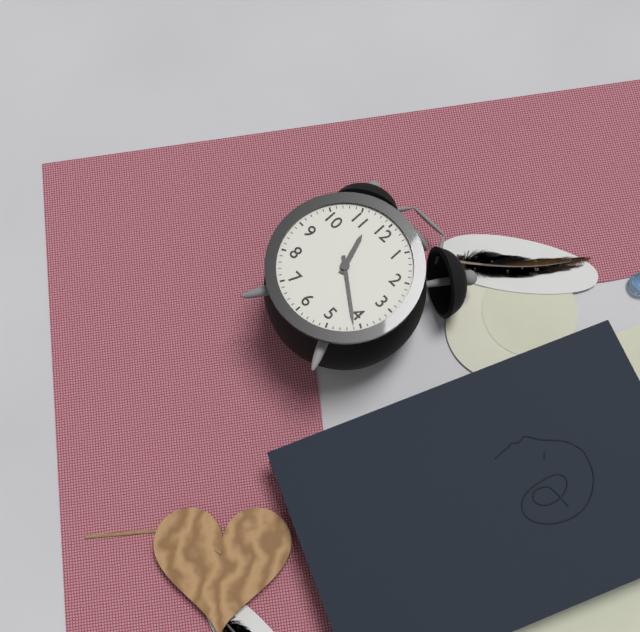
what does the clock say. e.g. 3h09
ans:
11h21
